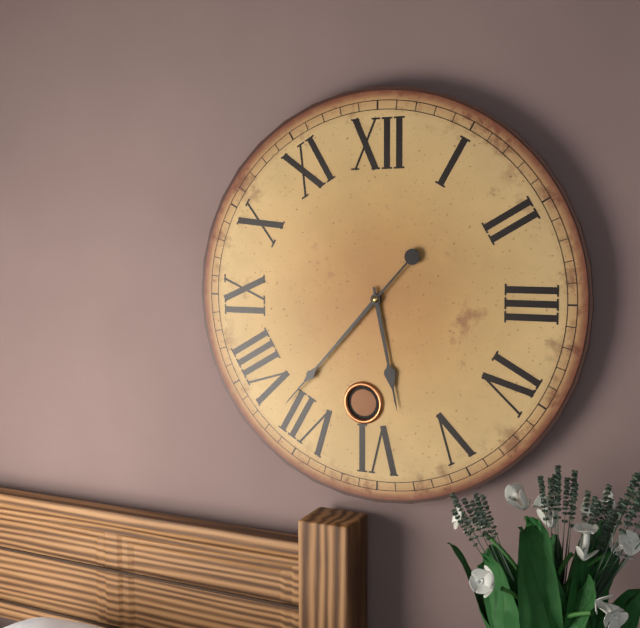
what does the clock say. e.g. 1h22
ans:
5h37
